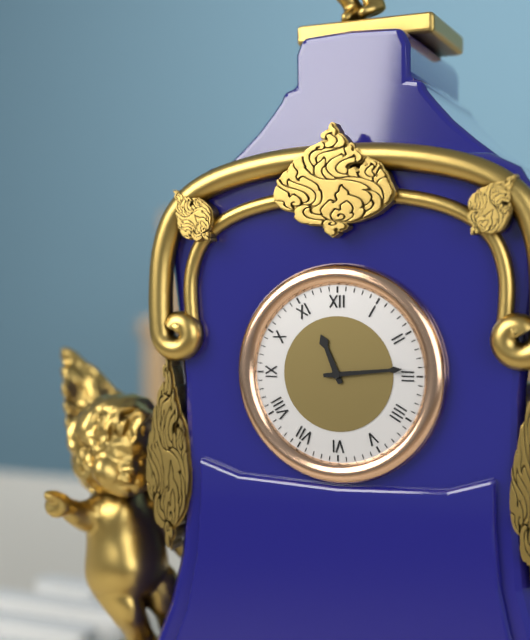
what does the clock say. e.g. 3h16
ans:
11h14
